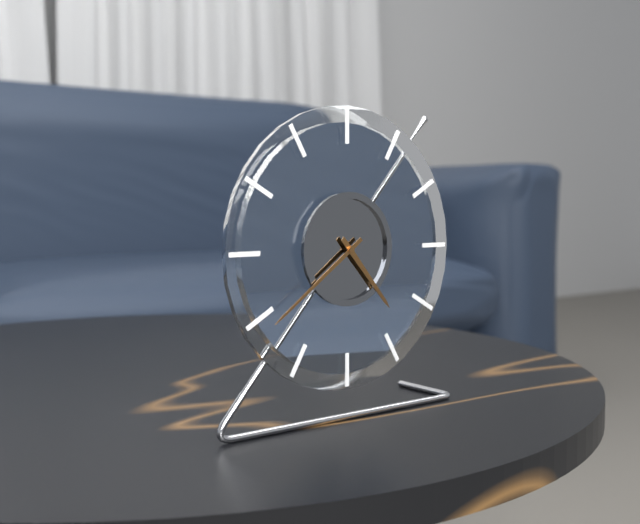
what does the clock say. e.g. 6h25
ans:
4h39
